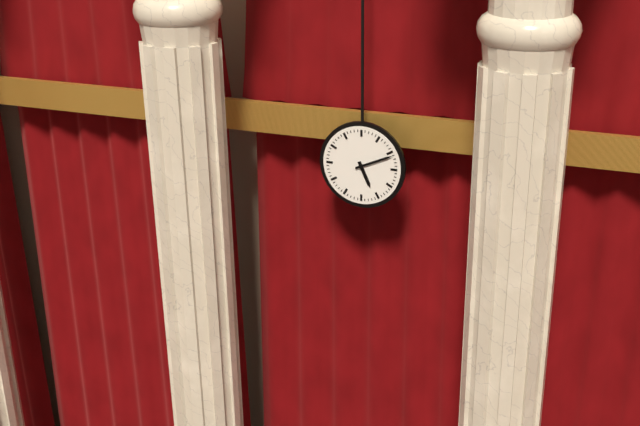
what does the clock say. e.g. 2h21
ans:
5h11
